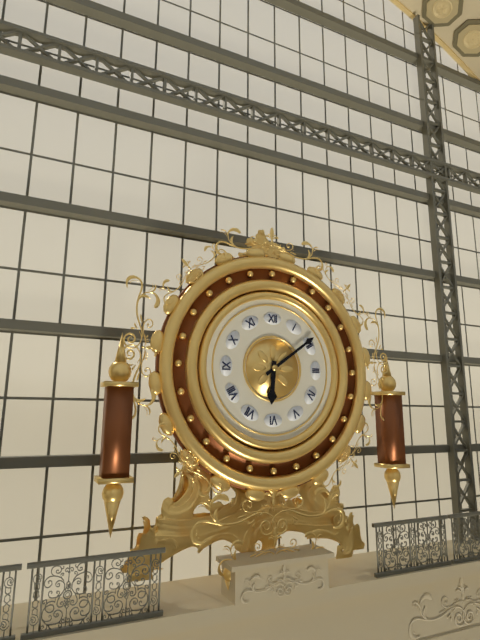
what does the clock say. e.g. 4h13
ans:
6h09
